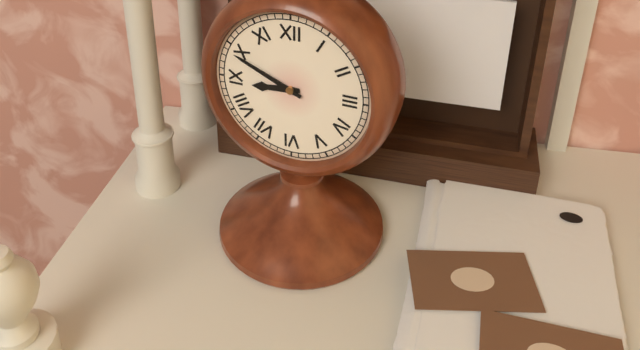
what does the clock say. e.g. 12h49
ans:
8h49
